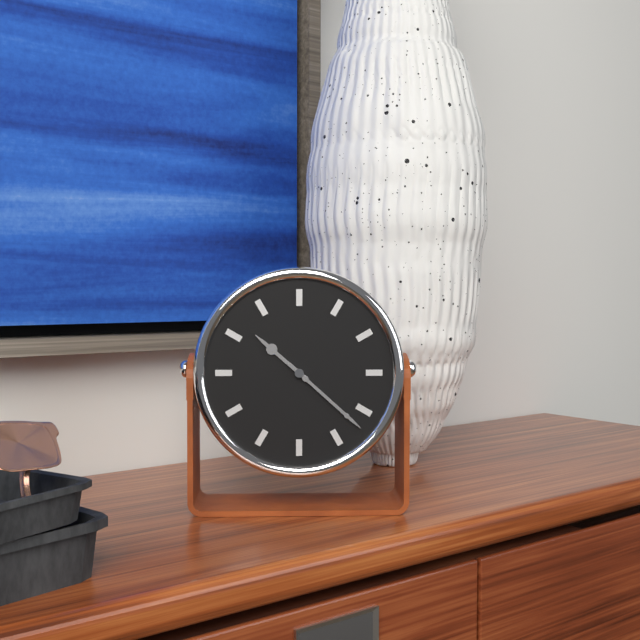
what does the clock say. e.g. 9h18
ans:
10h22
